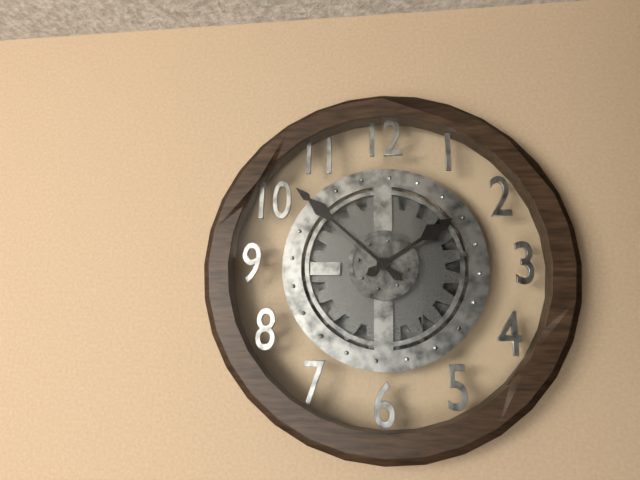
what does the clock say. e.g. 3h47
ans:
1h52
